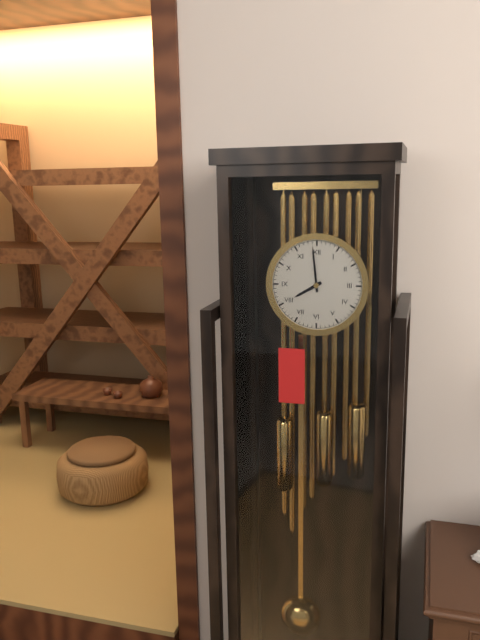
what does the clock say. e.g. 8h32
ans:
7h59
